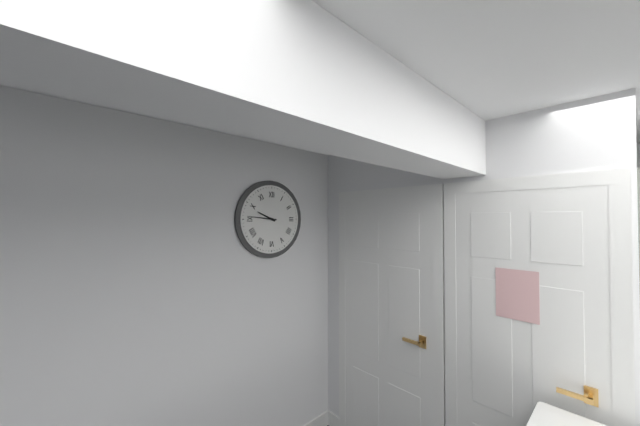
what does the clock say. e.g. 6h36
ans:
9h46
